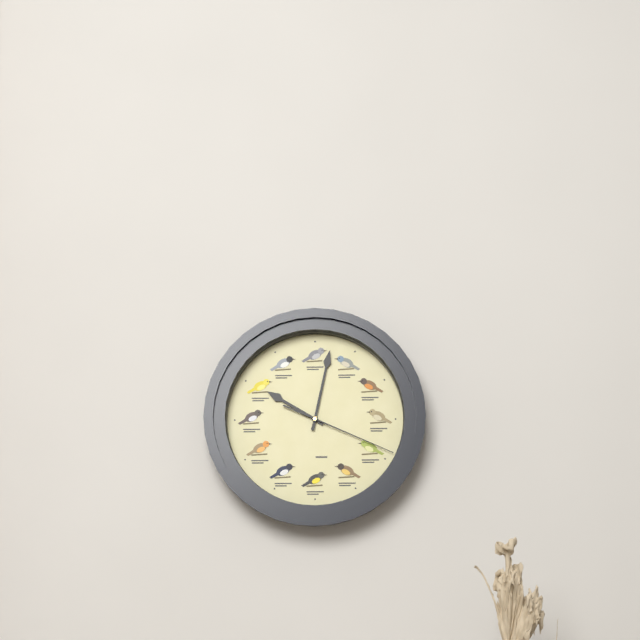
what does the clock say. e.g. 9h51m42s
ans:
10h02m19s
